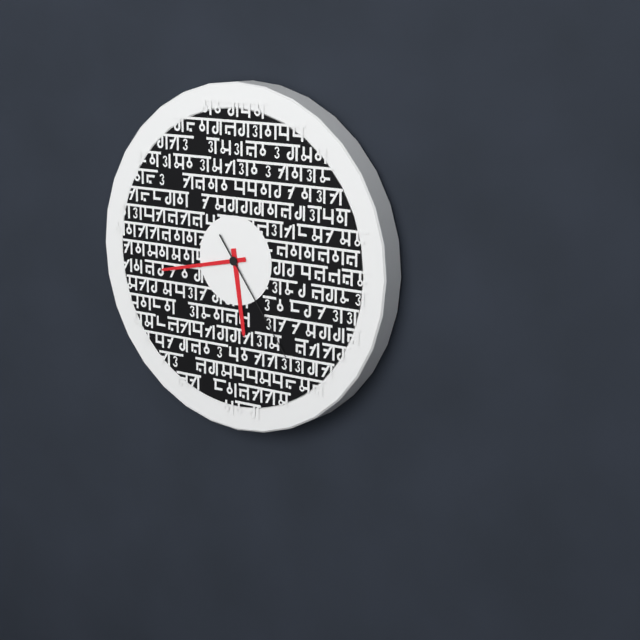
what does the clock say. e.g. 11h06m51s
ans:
5h43m24s
